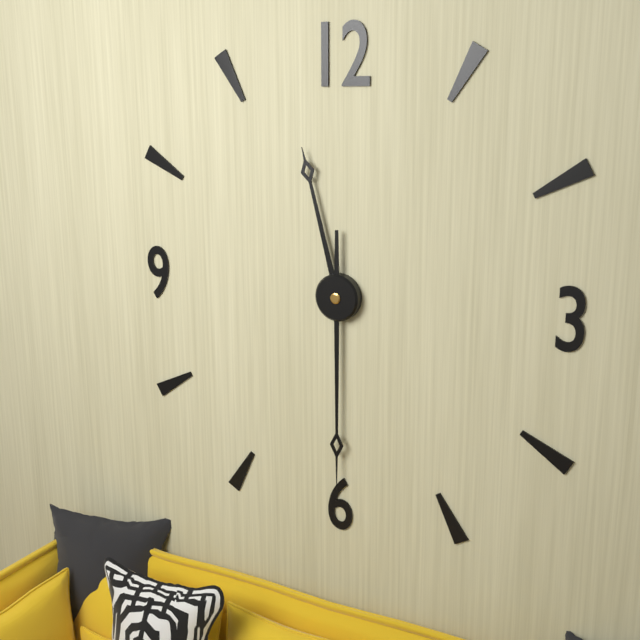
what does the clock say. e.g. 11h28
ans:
11h30
